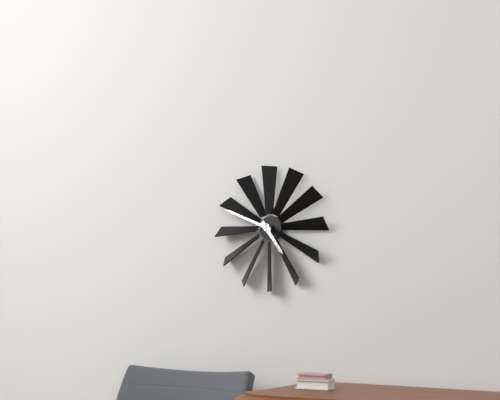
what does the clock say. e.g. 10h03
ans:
4h49
